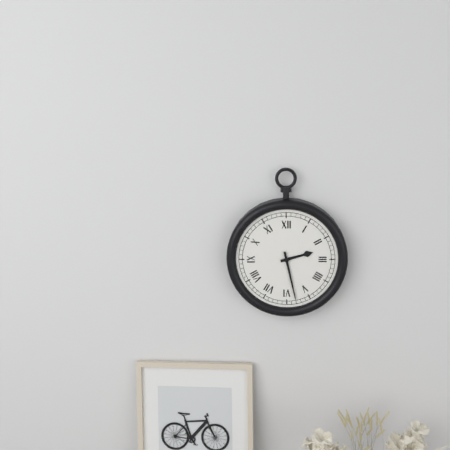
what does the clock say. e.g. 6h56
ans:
2h28
